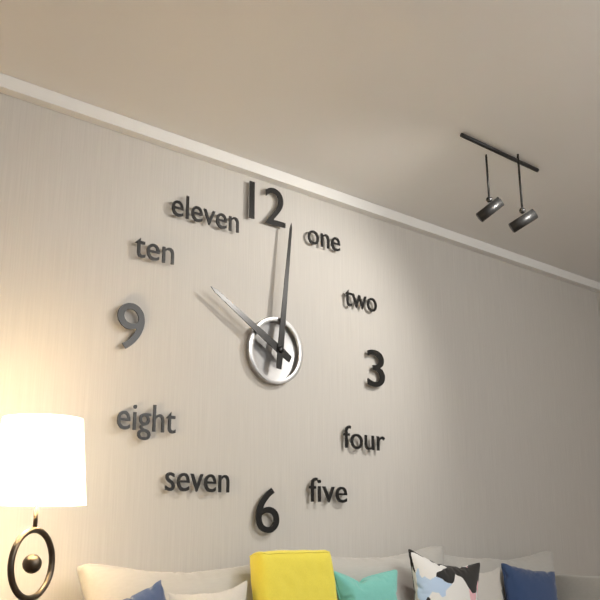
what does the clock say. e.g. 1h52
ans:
10h01
